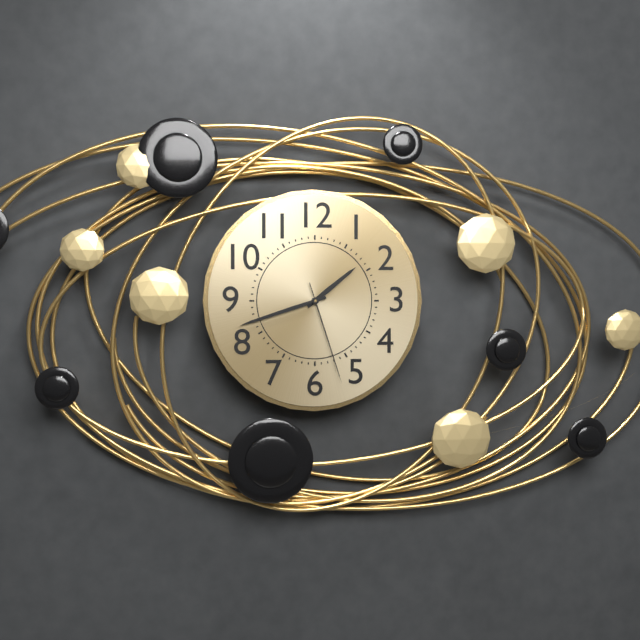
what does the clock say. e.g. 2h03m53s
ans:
1h42m27s
